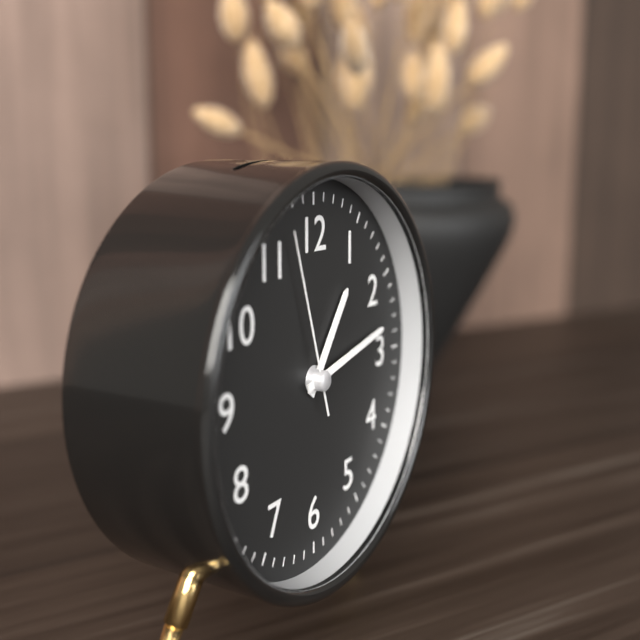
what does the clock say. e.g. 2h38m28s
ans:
1h13m57s
